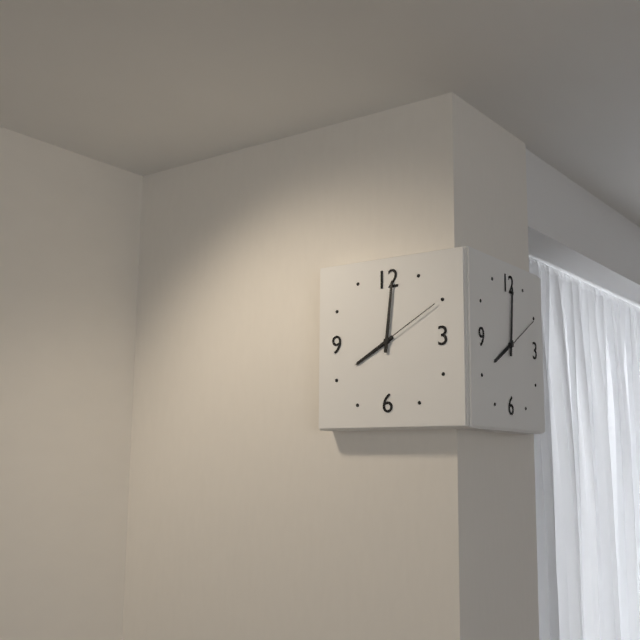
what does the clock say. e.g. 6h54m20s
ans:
8h01m10s
